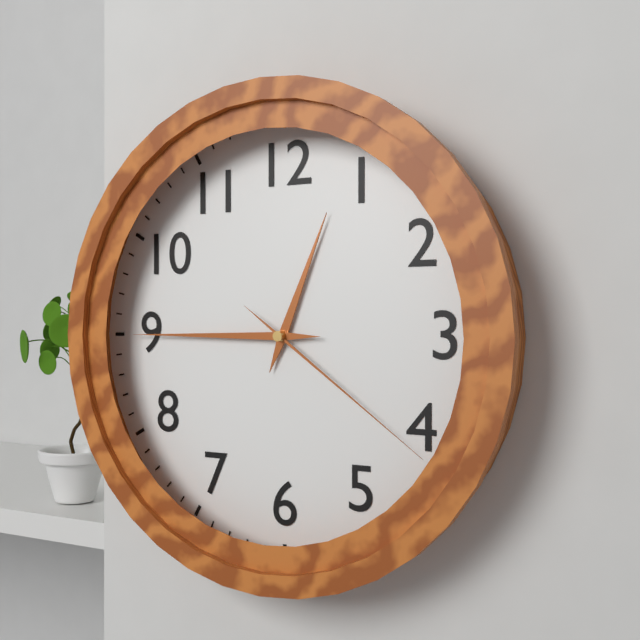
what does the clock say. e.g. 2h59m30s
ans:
12h45m21s
